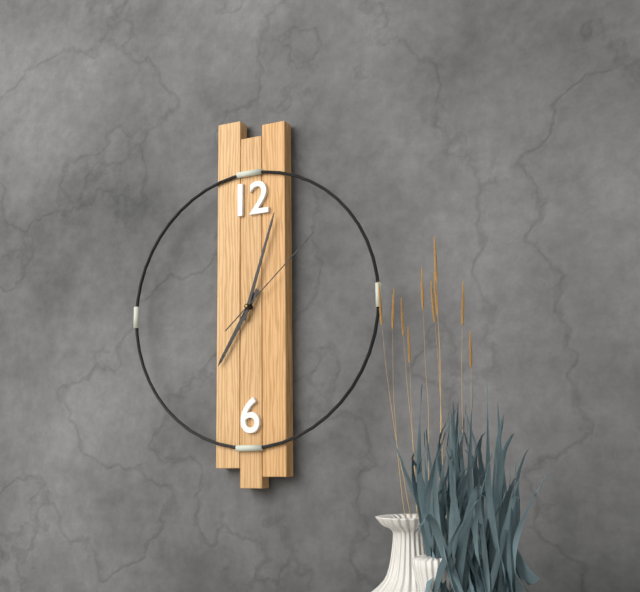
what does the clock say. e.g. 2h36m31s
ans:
7h03m08s
